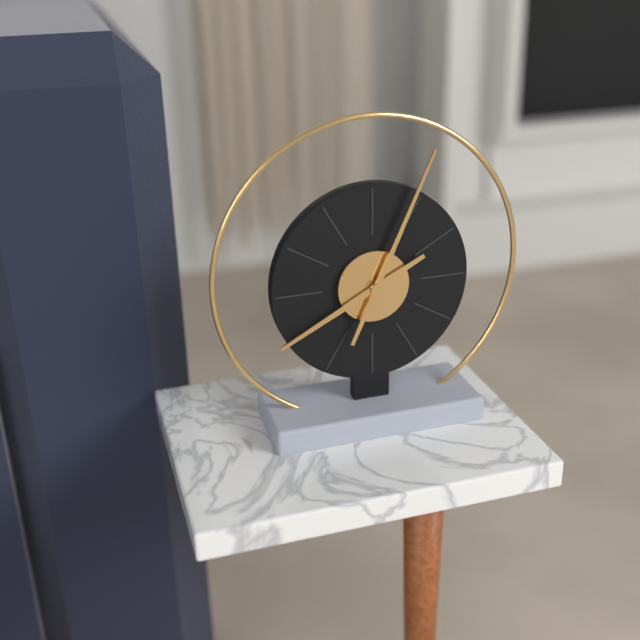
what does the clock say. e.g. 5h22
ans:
8h04
